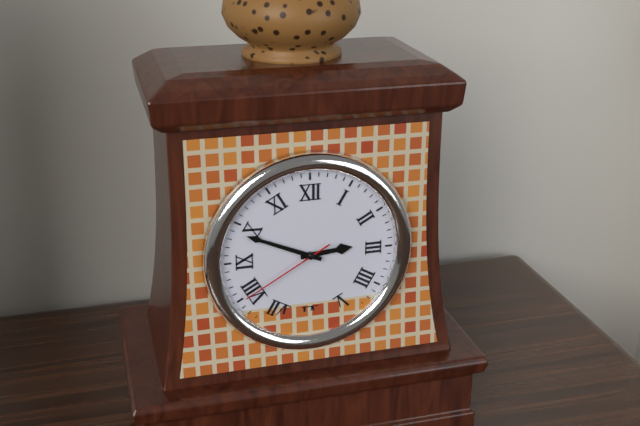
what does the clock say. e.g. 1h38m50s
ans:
2h49m40s
